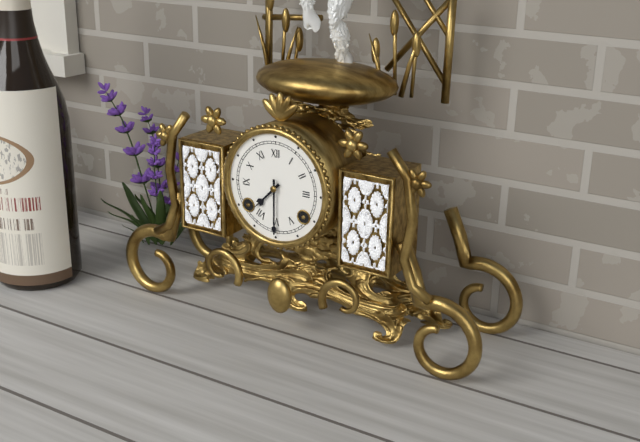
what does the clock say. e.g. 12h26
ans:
7h30
